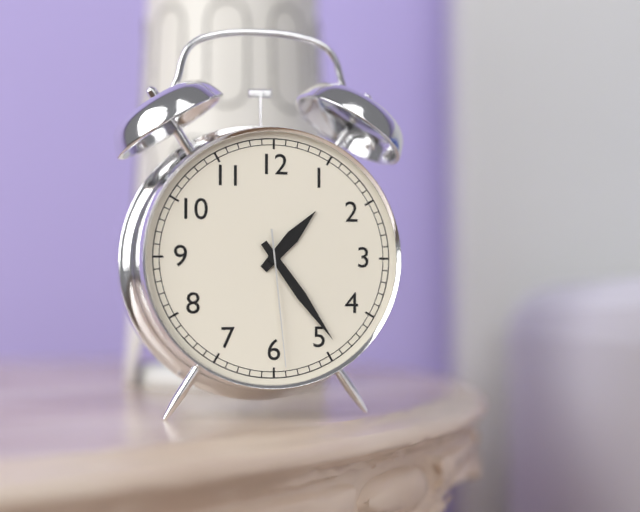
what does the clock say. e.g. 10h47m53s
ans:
1h24m29s
